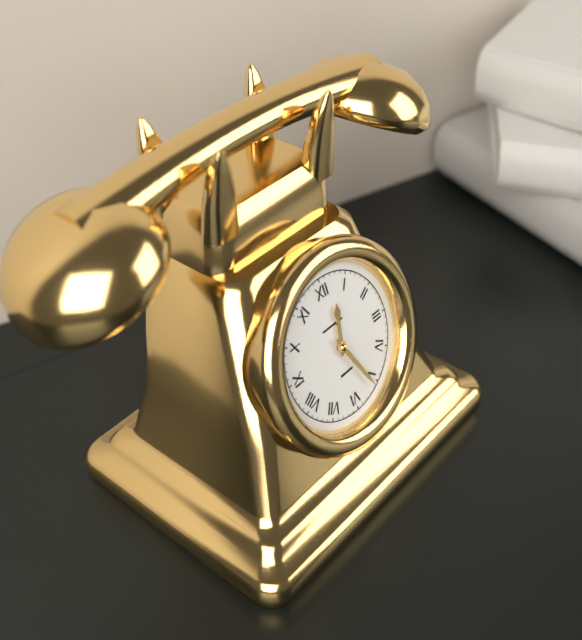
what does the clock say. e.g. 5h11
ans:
12h26
